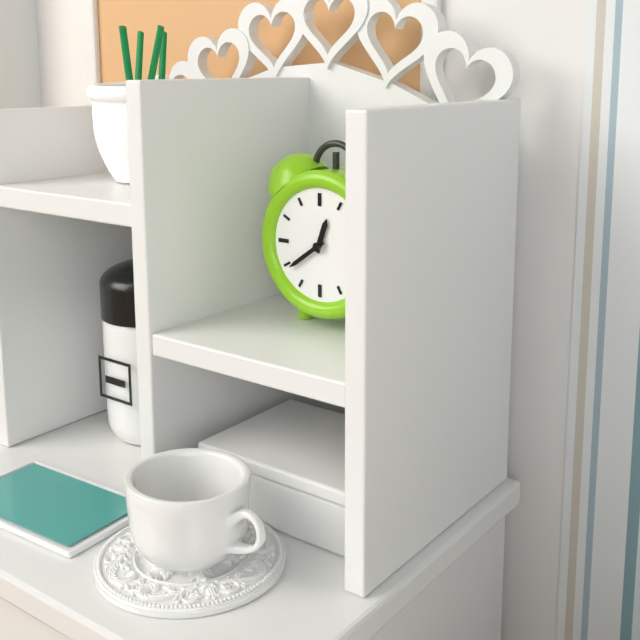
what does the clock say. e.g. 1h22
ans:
12h39
